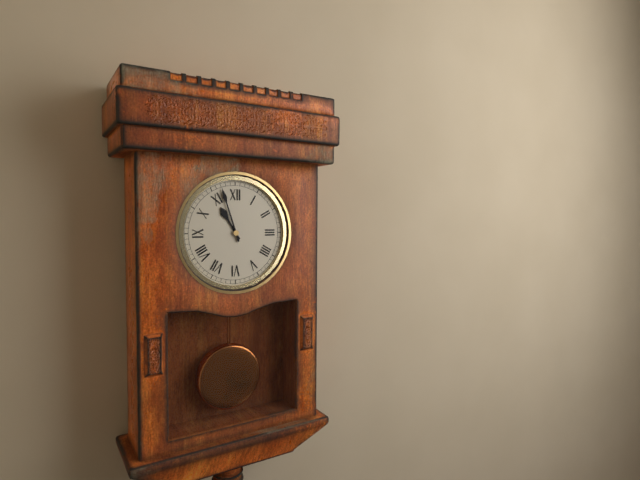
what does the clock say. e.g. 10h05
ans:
10h57
